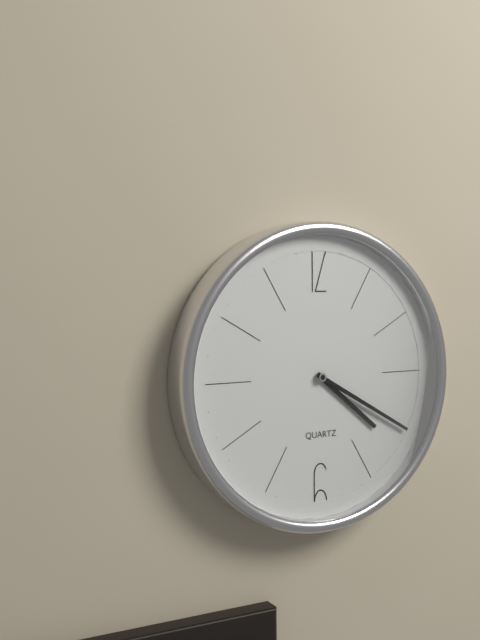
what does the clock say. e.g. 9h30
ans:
4h20
